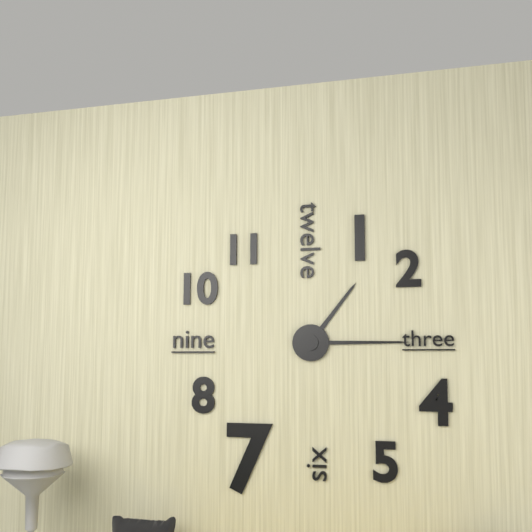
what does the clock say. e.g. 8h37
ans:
1h15
